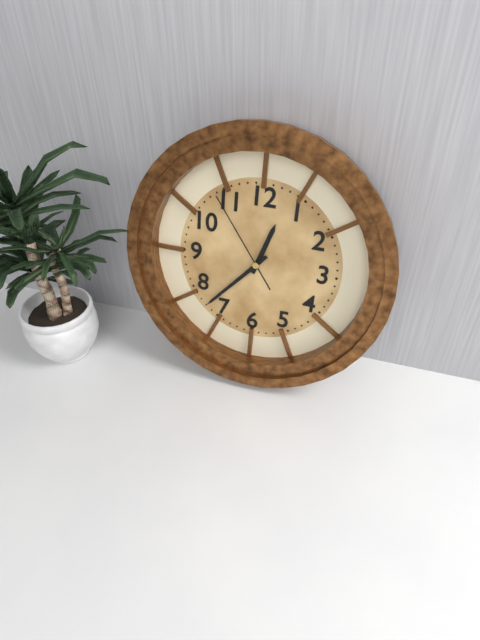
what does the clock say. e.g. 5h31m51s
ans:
12h37m54s
